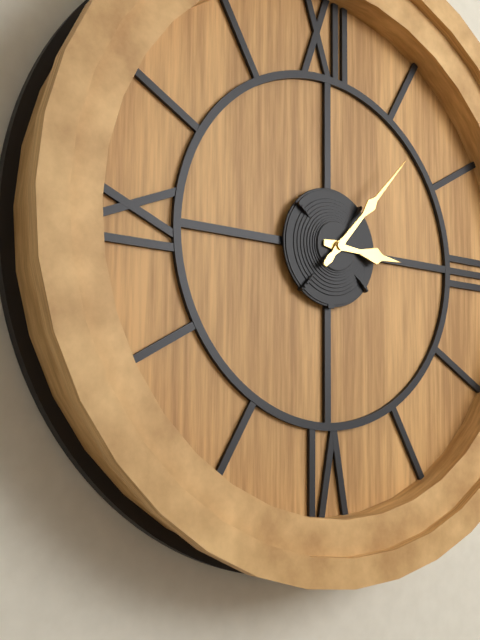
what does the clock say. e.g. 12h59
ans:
3h07
